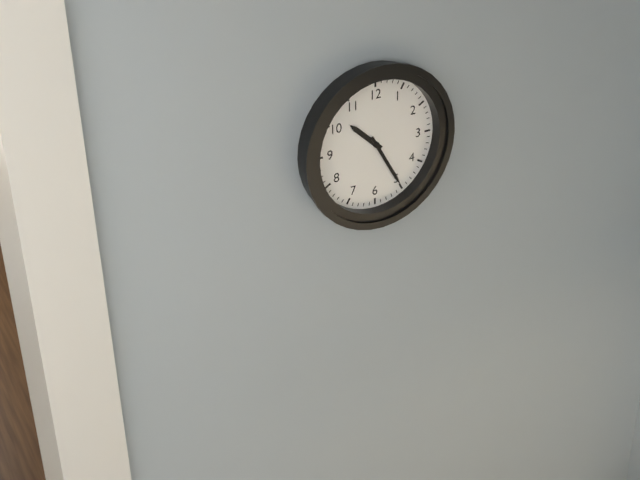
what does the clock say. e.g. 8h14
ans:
10h25
